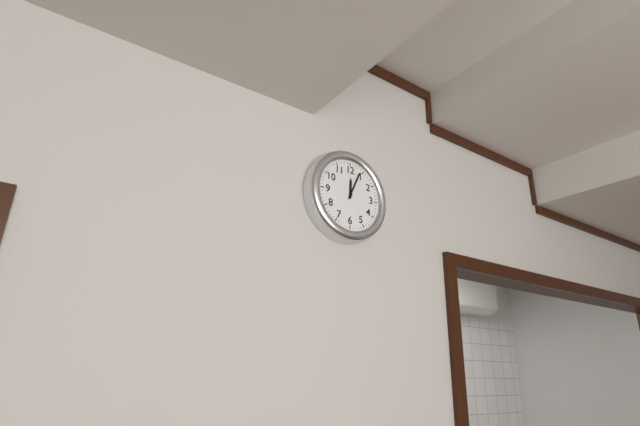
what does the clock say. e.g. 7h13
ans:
12h04
